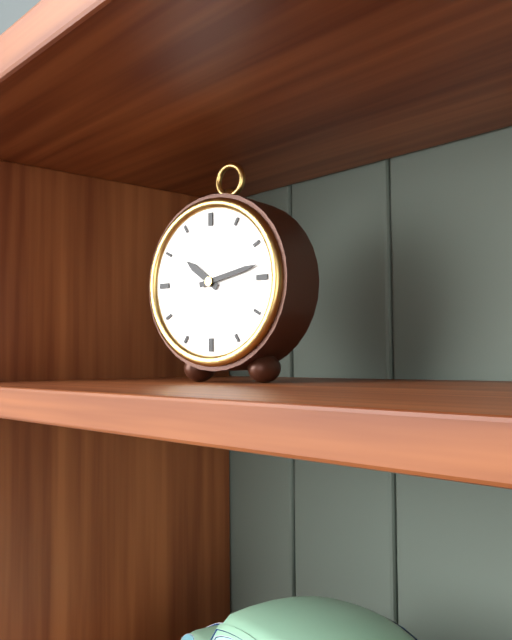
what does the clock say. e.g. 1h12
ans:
10h13
